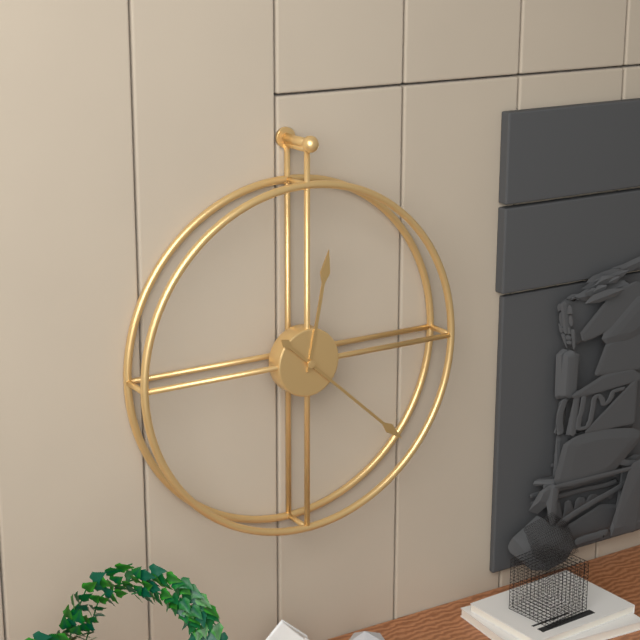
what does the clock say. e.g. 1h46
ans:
12h22
